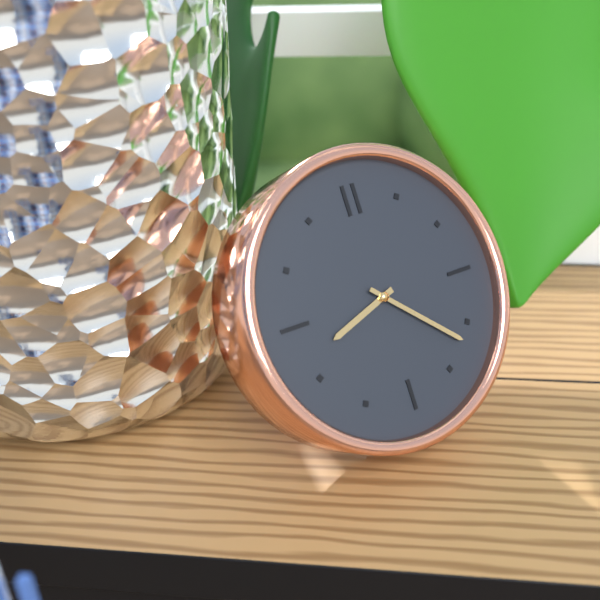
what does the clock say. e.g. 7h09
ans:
8h22
